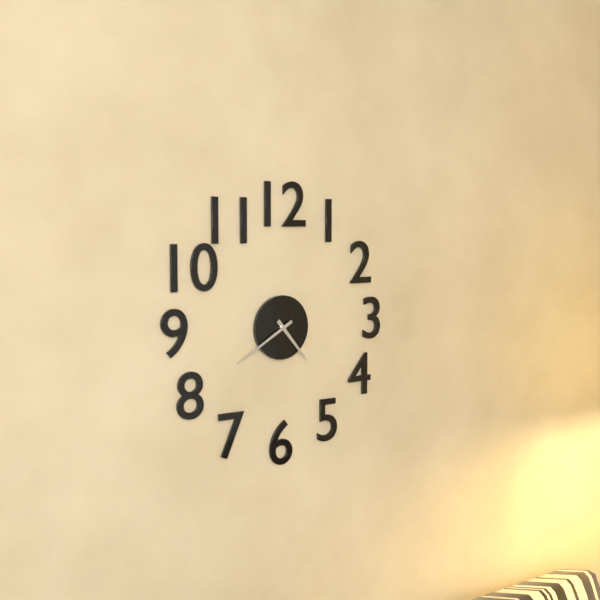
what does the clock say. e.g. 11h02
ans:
4h40
